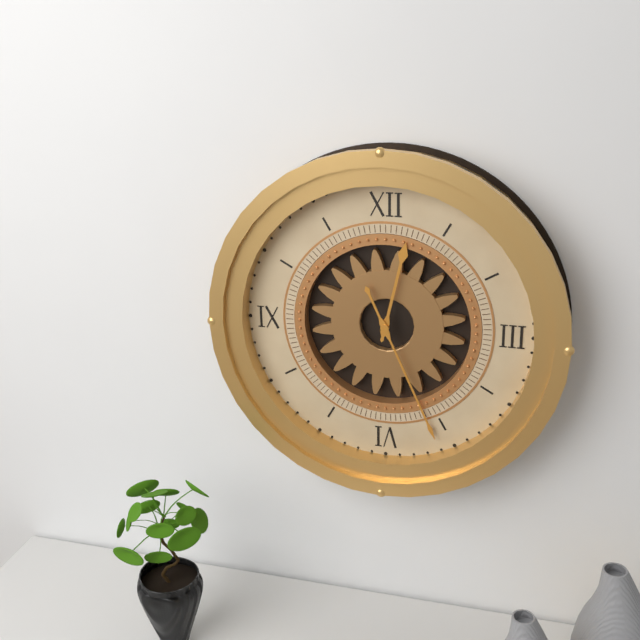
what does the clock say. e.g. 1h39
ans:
12h26
